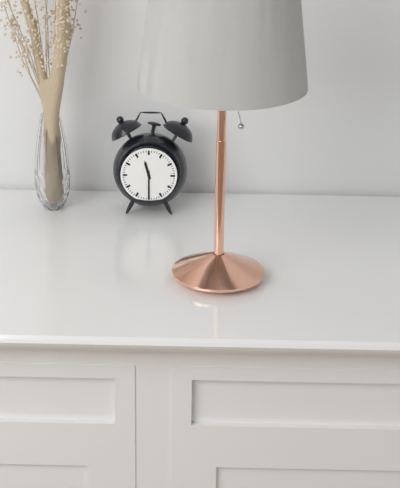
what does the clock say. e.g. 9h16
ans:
11h30
